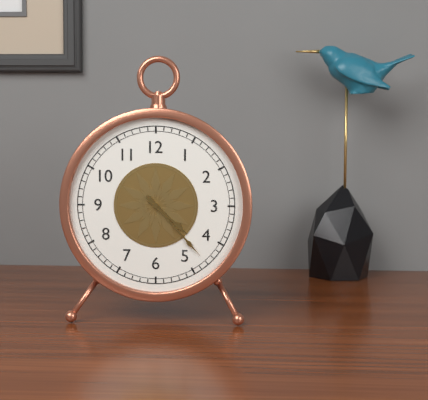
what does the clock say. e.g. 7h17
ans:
4h23
